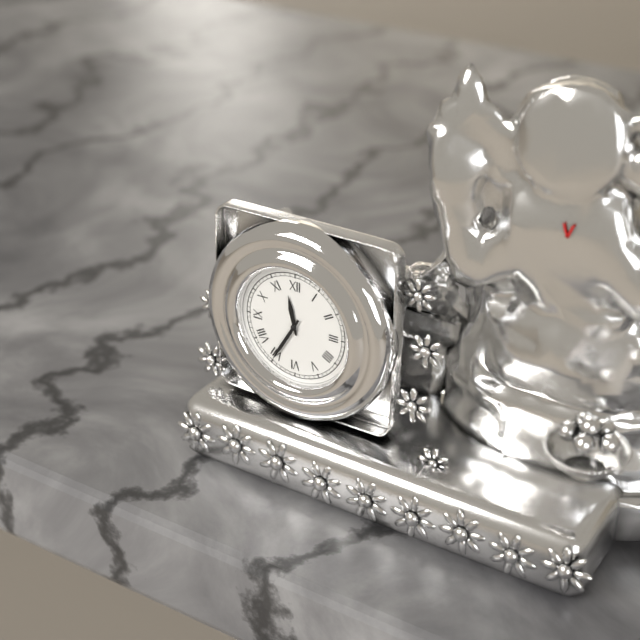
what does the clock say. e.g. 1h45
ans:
11h35
